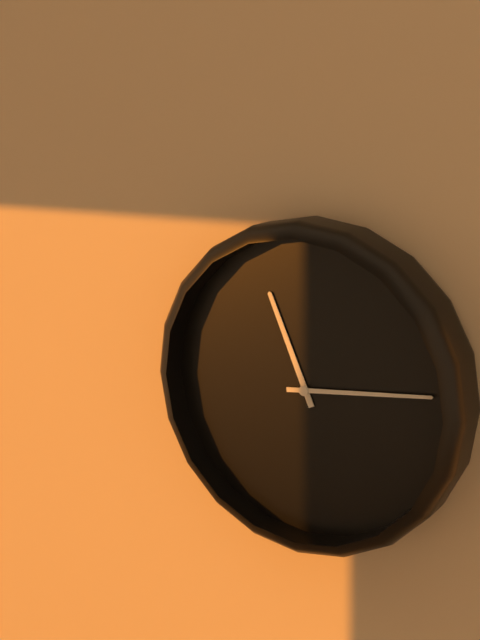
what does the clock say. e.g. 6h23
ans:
11h14
